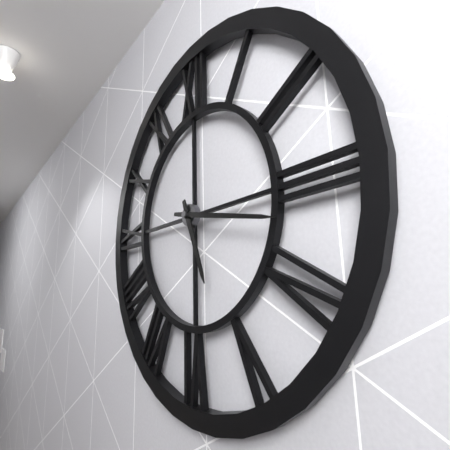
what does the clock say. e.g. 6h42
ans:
5h17
